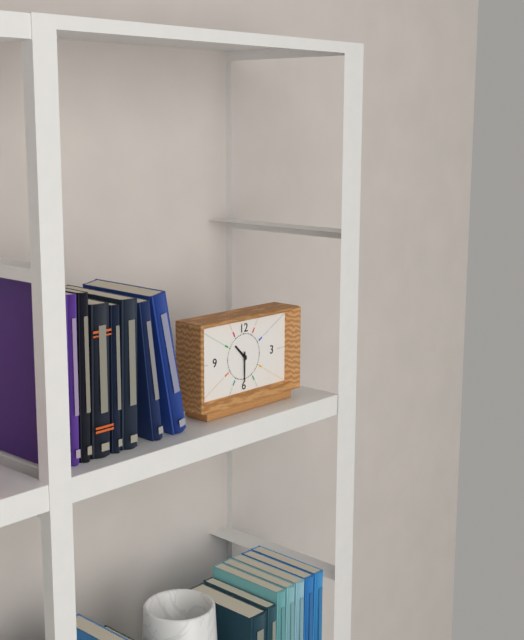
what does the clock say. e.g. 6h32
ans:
10h30
